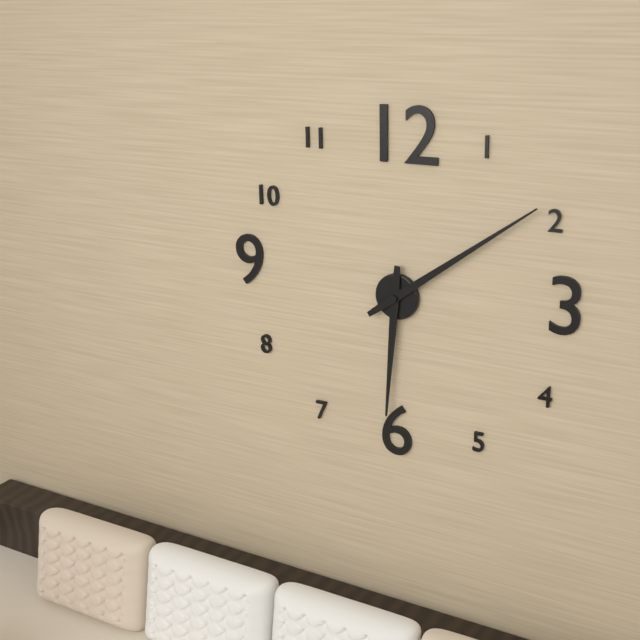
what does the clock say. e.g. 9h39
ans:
6h09
